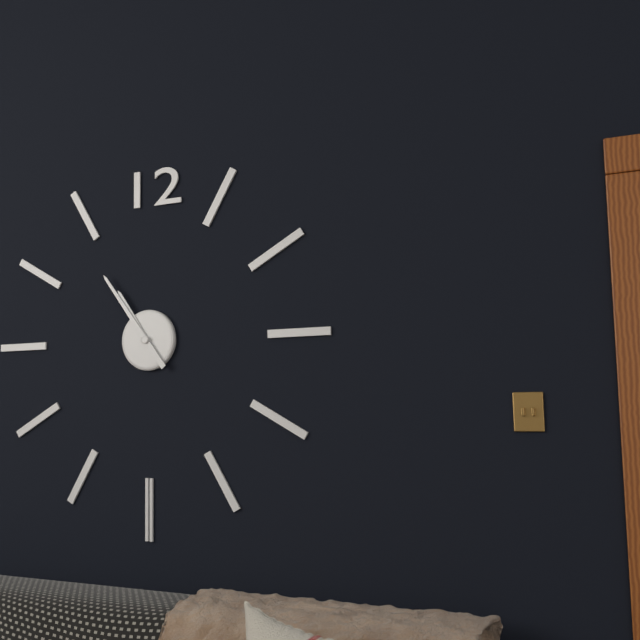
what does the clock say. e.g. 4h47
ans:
10h54
